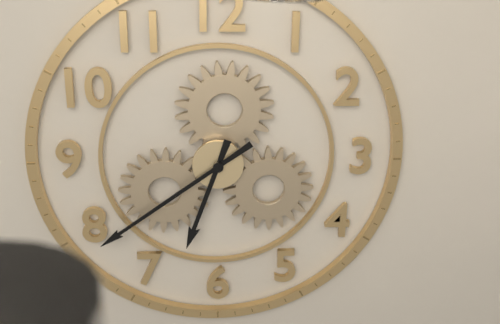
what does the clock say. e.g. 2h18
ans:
6h39
